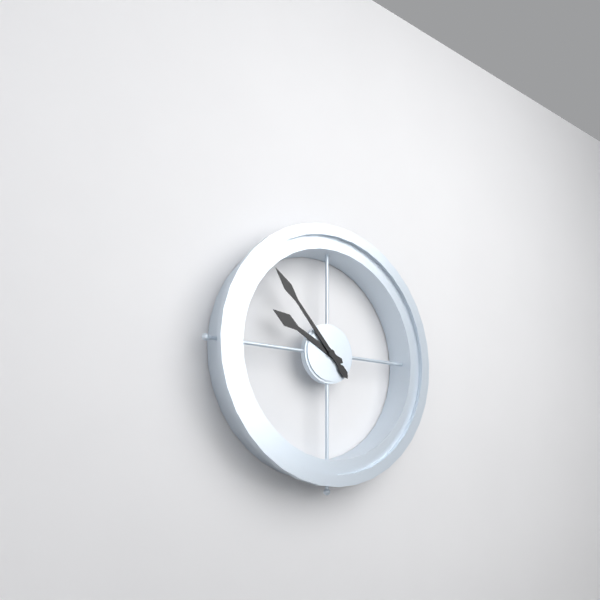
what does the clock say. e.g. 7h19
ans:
9h53
